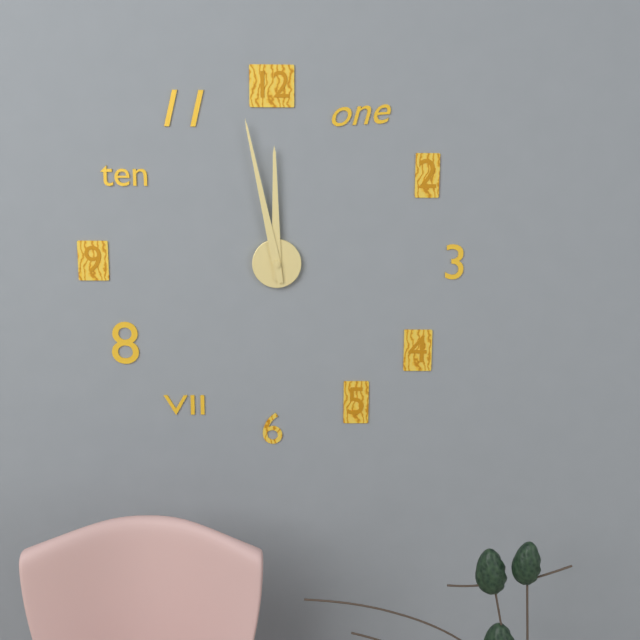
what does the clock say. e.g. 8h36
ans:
11h58
